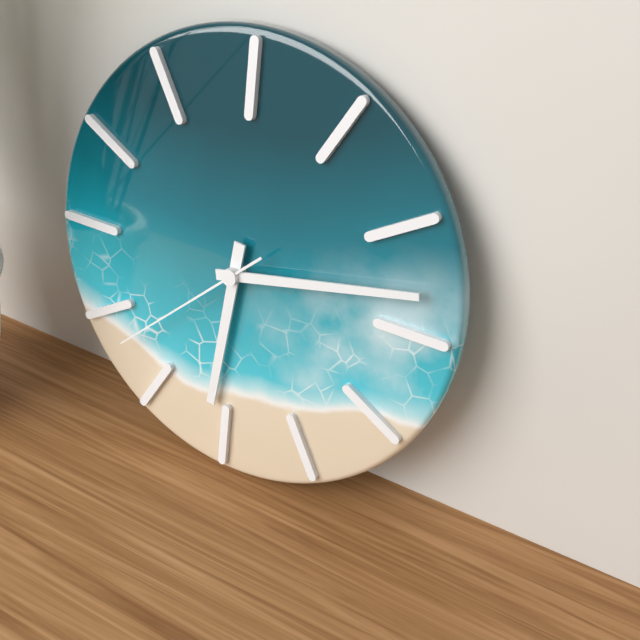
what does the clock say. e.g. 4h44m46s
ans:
6h13m38s
